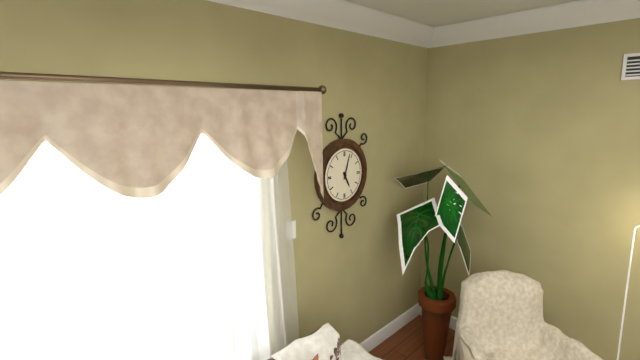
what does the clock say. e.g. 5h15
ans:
5h03
